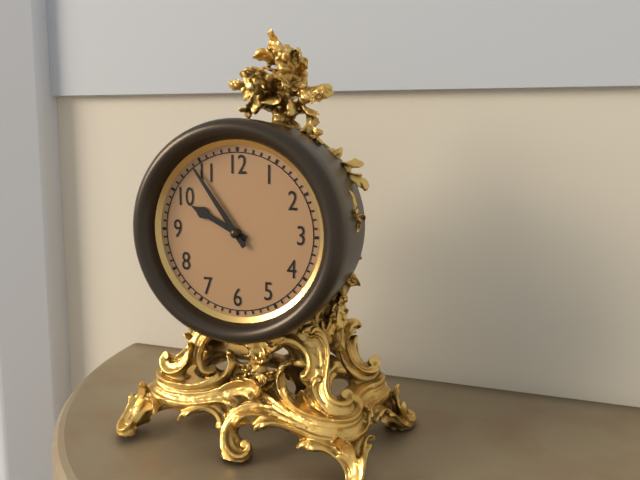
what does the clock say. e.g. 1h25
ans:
9h54
